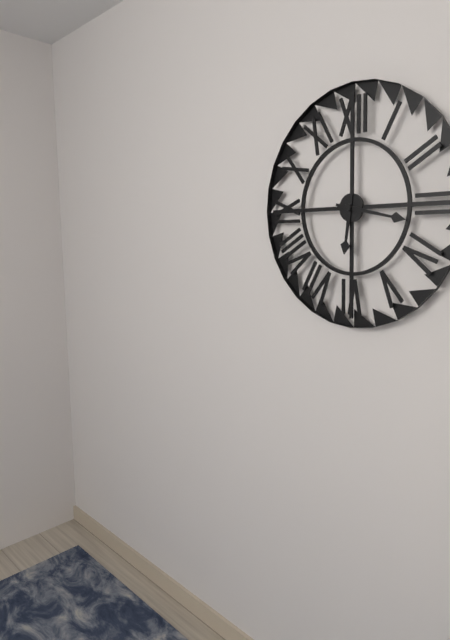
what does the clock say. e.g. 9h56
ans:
6h17
